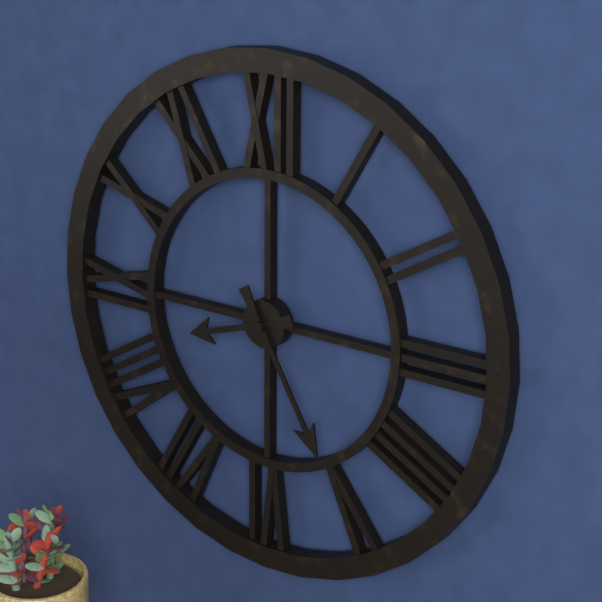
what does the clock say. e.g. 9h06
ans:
8h25
